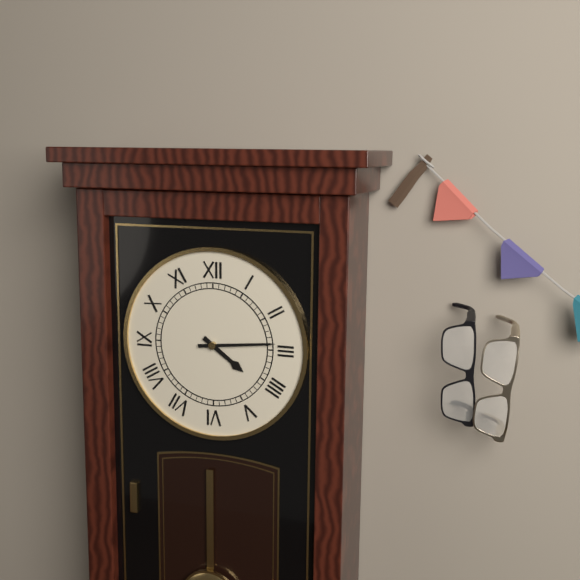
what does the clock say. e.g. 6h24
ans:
4h14
